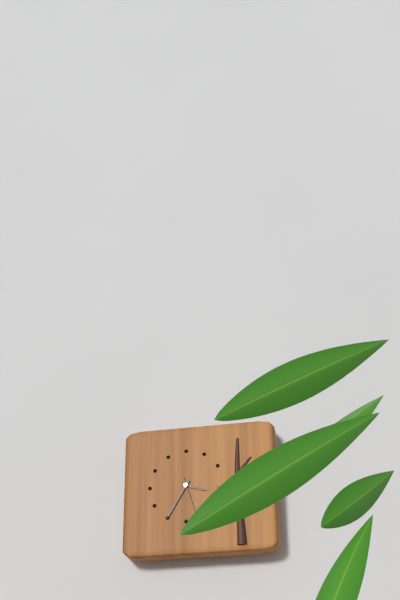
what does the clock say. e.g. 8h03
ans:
3h35
